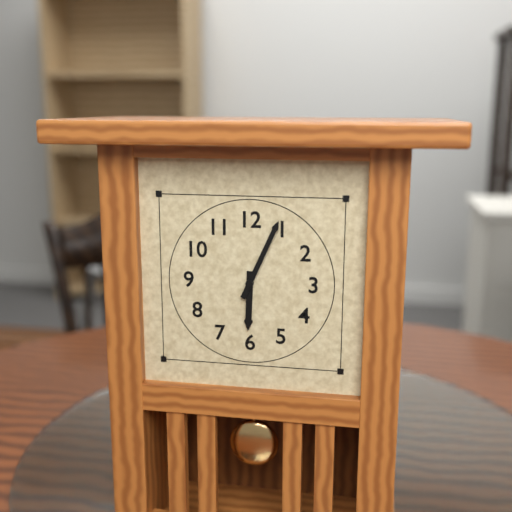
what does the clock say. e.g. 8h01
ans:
6h04
